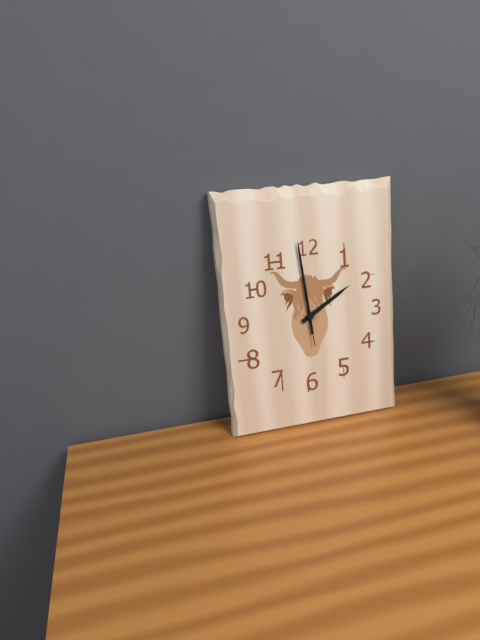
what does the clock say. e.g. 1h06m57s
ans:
1h59m59s
